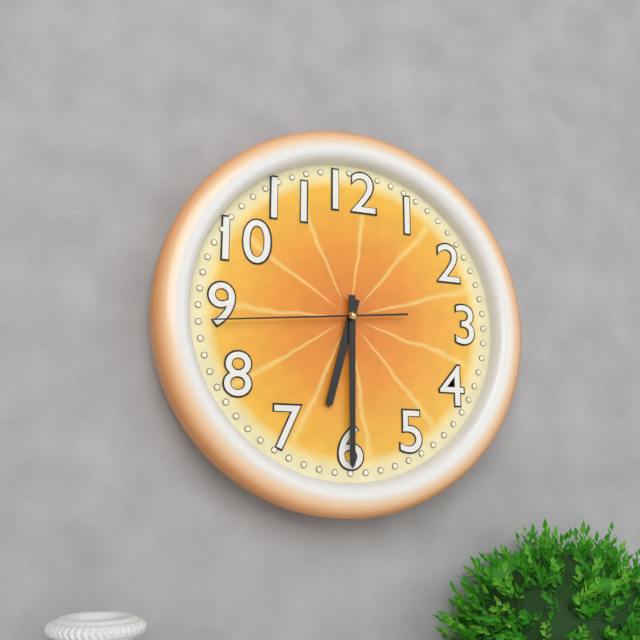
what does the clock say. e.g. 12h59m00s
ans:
6h30m44s
